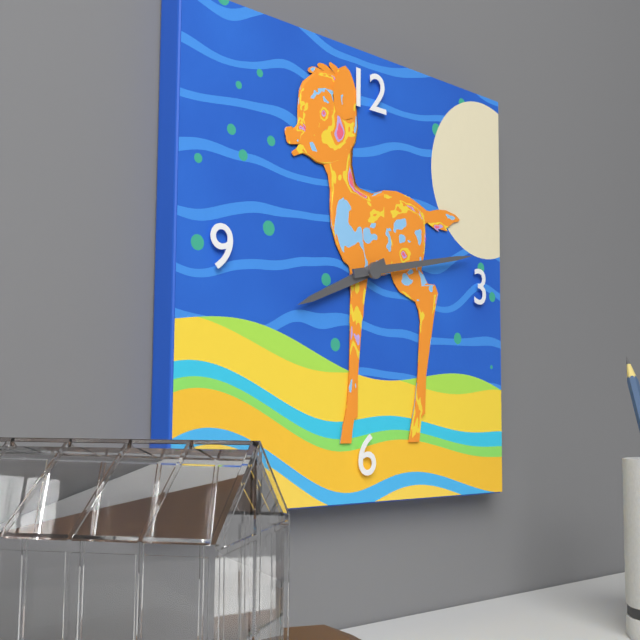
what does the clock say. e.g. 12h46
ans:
8h13
